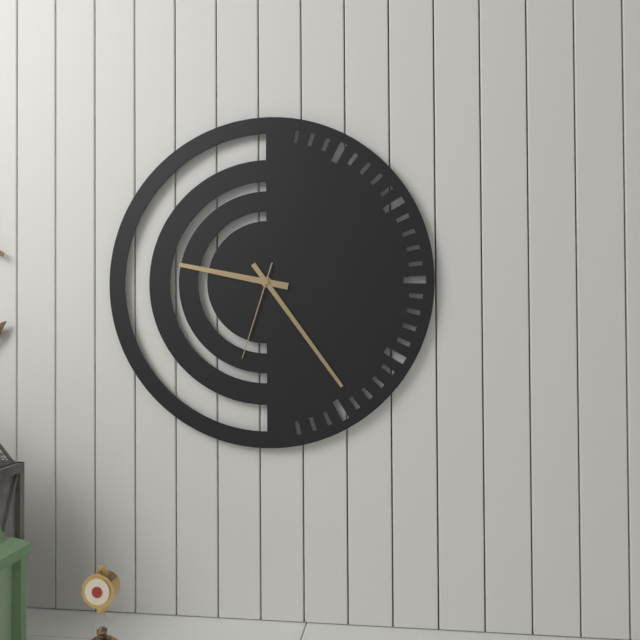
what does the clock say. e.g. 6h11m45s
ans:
9h24m33s
